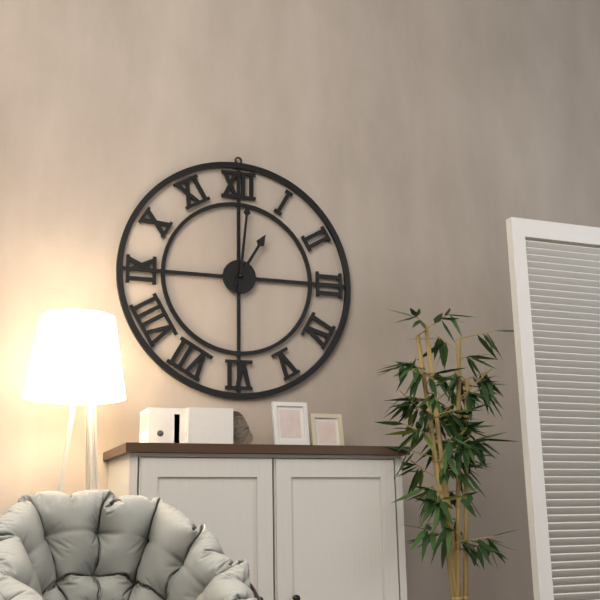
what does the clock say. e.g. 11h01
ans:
1h01
